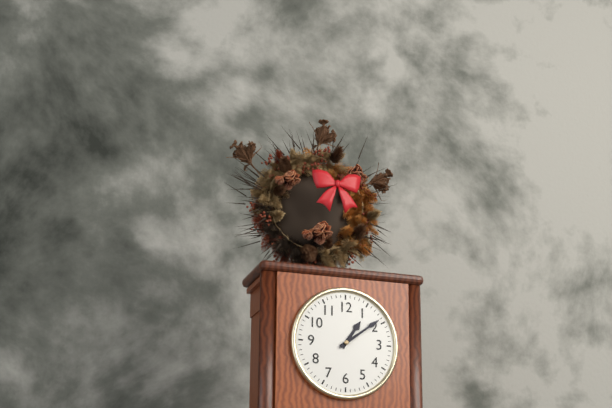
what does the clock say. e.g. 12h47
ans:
1h09
